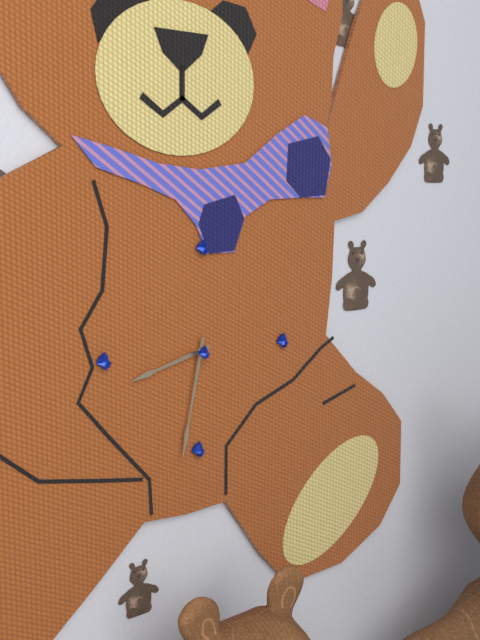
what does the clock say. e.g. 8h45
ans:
8h32
